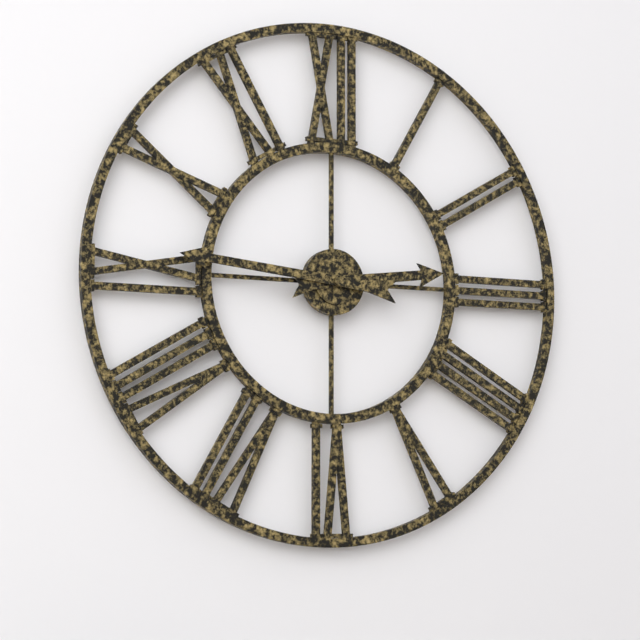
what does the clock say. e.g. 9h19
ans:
2h46
